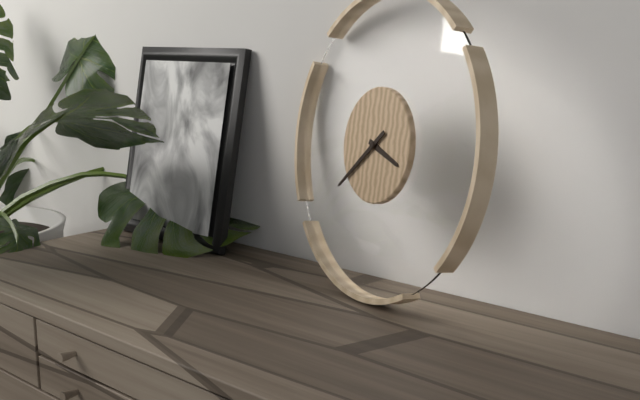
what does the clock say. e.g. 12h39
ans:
3h38
